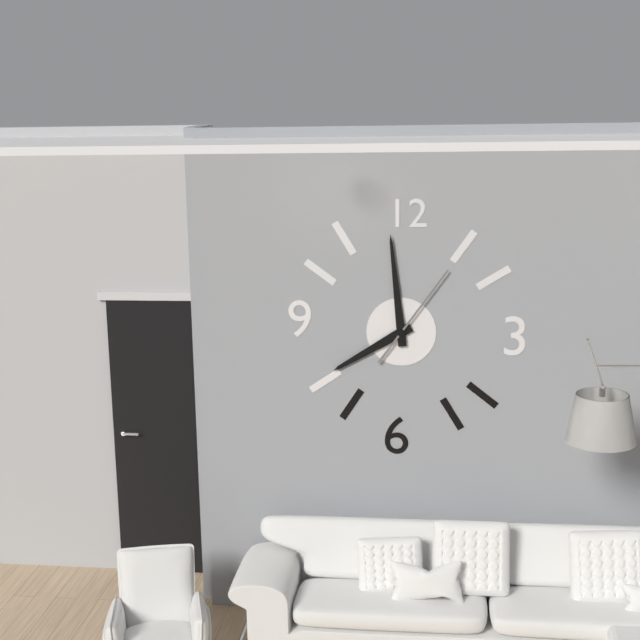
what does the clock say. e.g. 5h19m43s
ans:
7h59m06s
